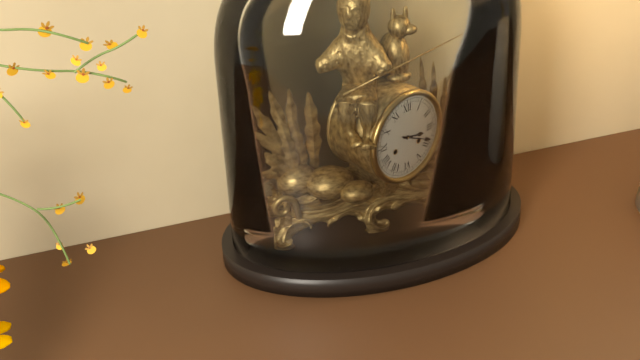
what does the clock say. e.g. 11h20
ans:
3h19
